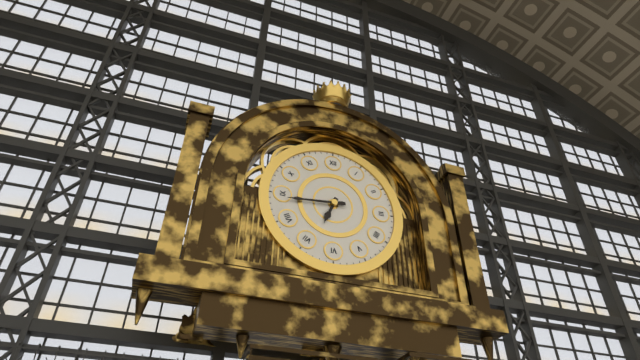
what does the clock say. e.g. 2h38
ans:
6h44
